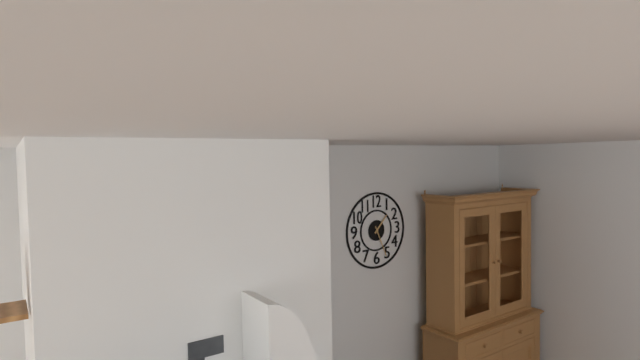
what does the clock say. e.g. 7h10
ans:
1h26
